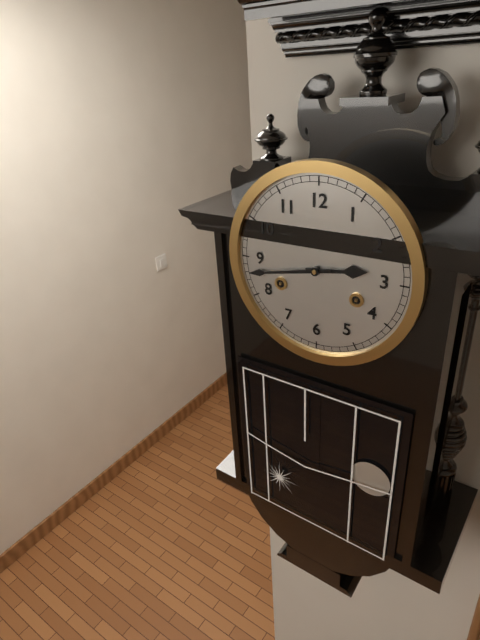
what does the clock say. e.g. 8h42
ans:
2h43
